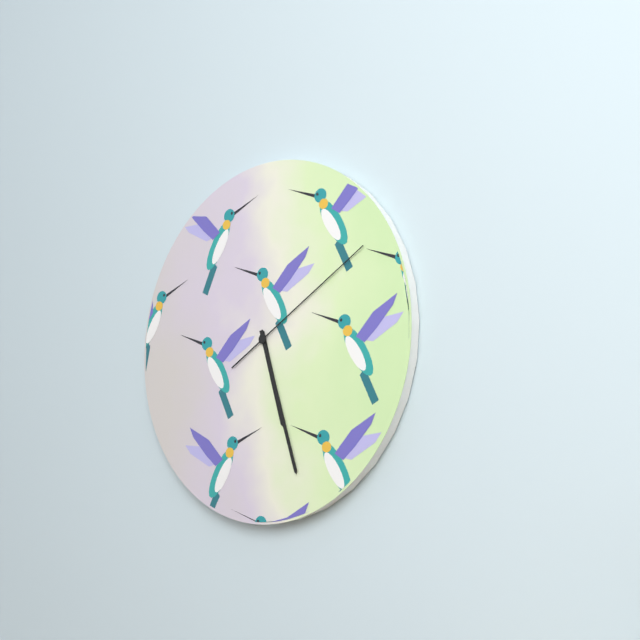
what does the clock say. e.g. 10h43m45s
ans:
5h27m10s
